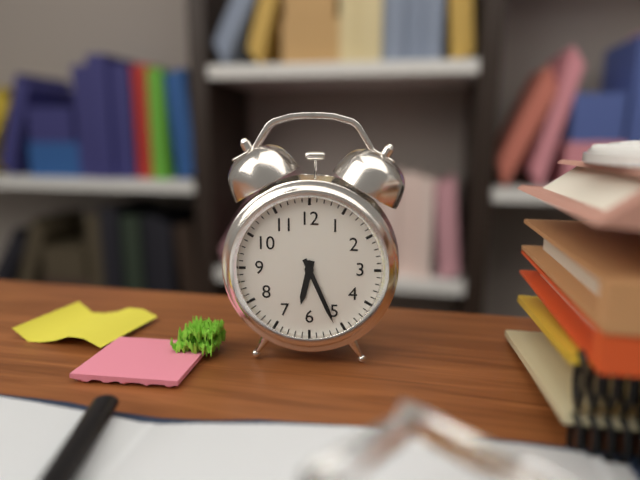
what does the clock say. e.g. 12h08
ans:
6h26
